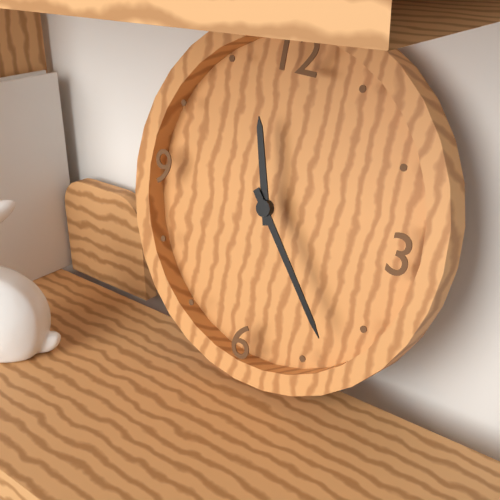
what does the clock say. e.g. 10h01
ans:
11h23
